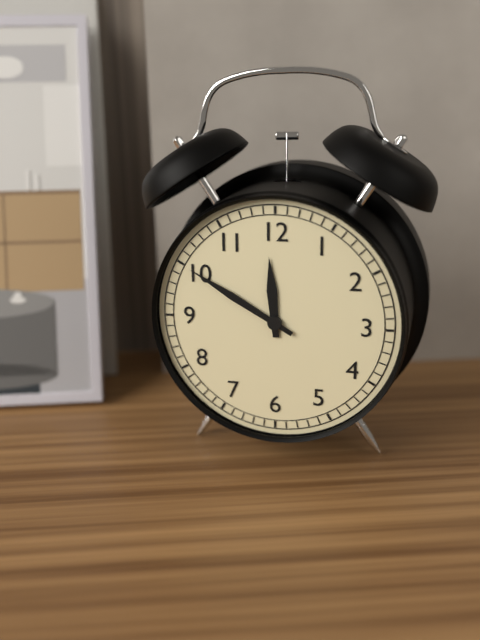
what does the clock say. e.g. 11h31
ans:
11h50
